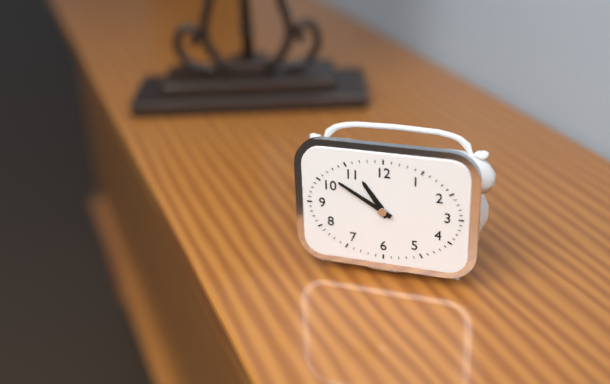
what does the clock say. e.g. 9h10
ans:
10h50
